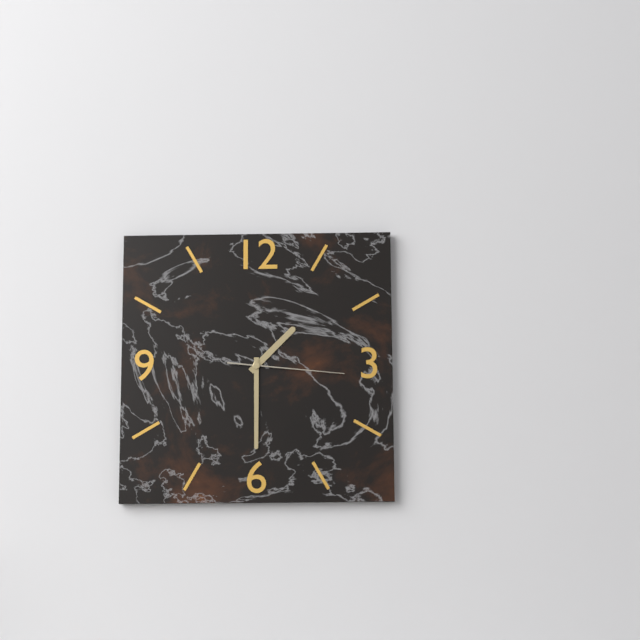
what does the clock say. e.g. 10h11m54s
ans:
1h30m16s
